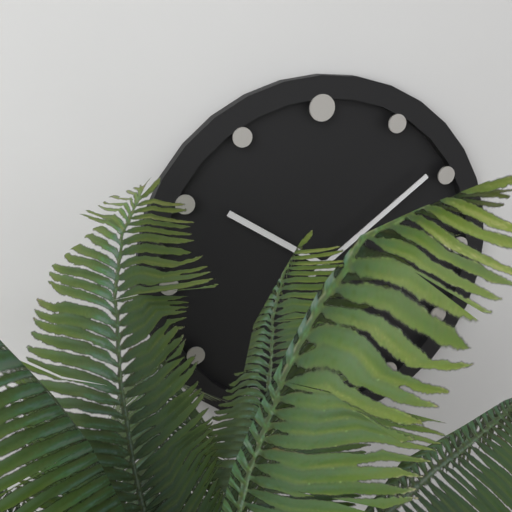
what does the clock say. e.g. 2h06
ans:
10h09
